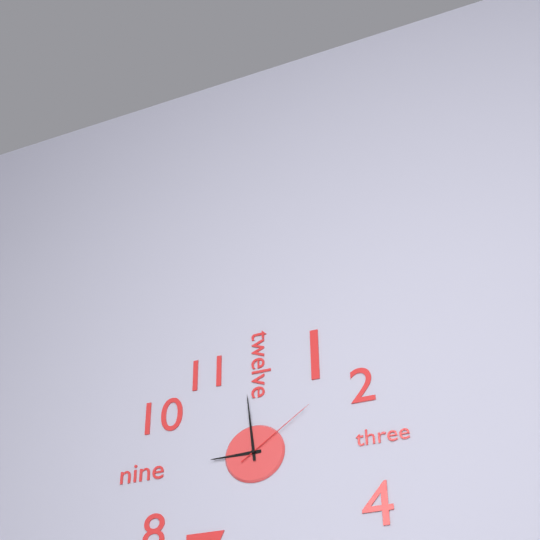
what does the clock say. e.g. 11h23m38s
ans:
8h59m09s
